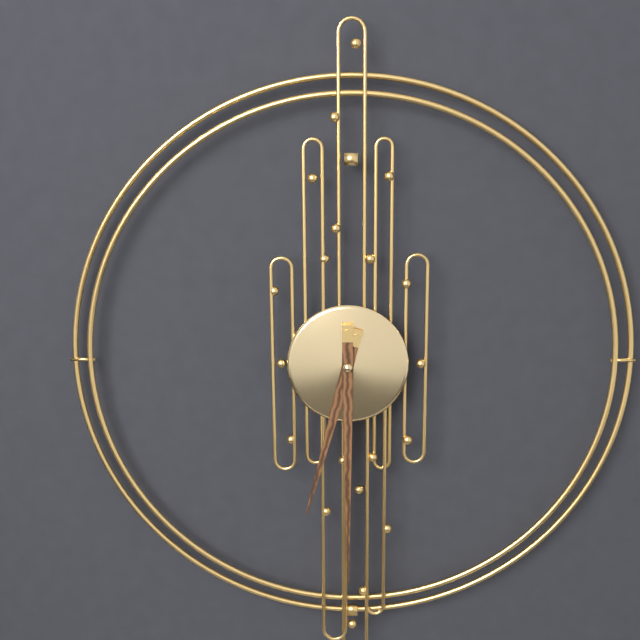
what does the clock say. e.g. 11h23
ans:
6h30
